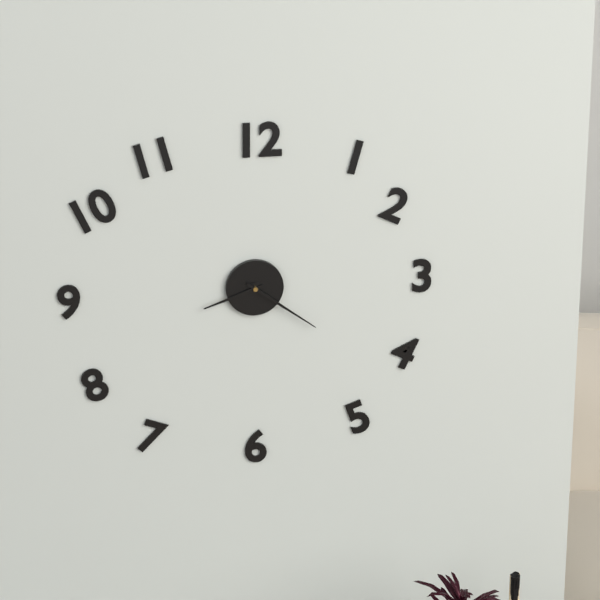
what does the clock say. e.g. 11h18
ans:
8h21
